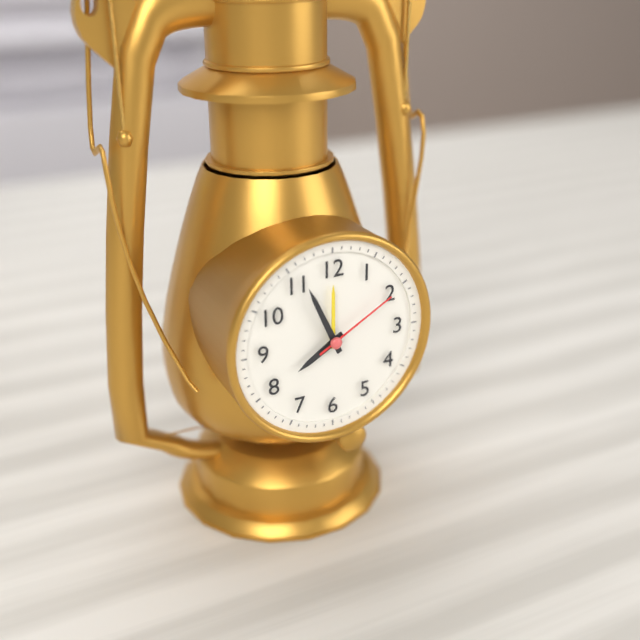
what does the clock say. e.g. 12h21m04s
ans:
7h56m10s
